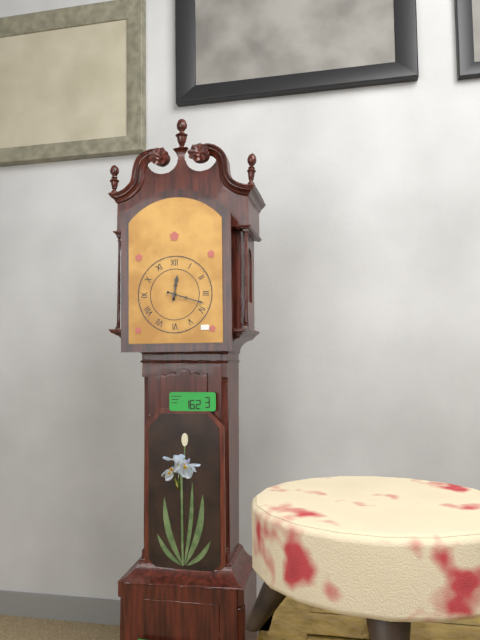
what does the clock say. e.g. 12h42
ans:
12h18
